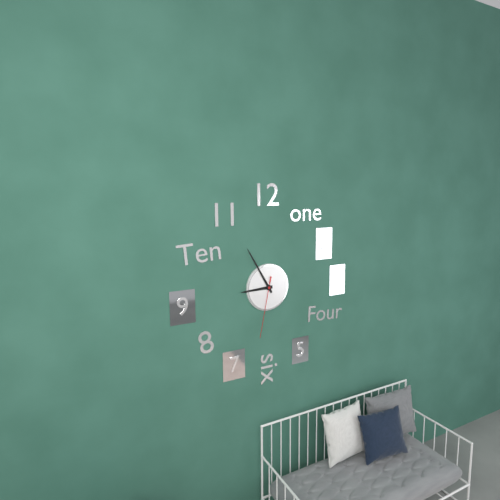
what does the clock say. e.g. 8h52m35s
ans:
8h55m32s
